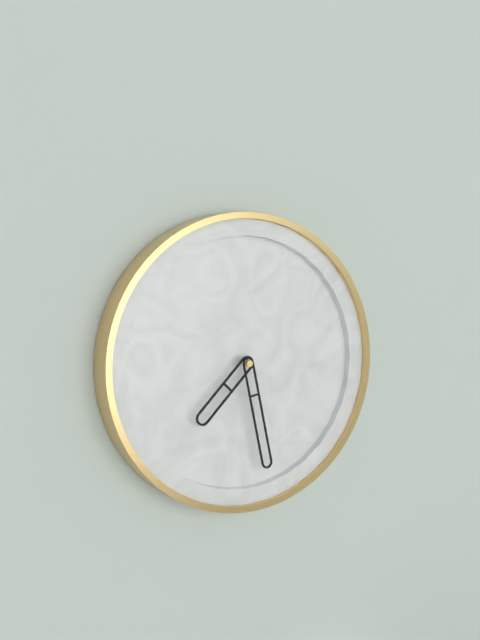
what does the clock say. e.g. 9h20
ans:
7h28
